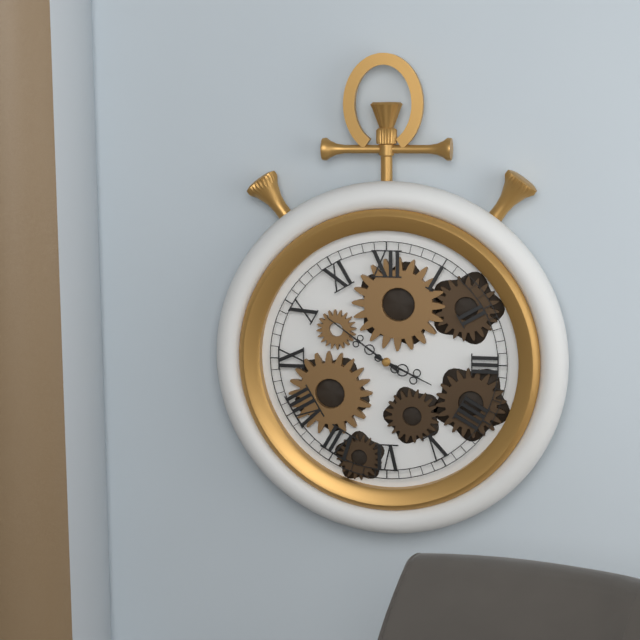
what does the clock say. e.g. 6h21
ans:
3h51
